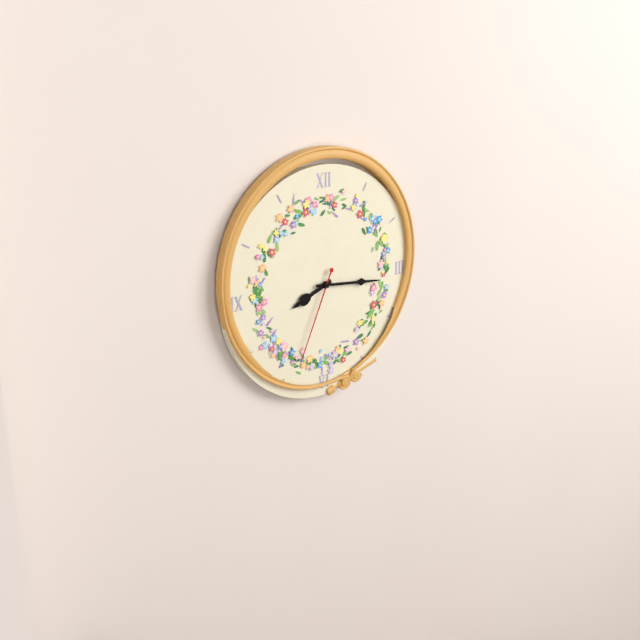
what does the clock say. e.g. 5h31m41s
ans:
8h16m34s
